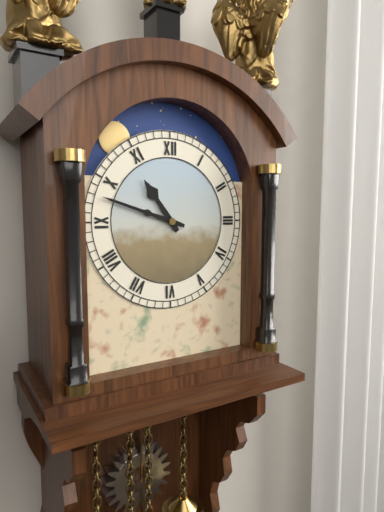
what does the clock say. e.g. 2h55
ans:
10h48
